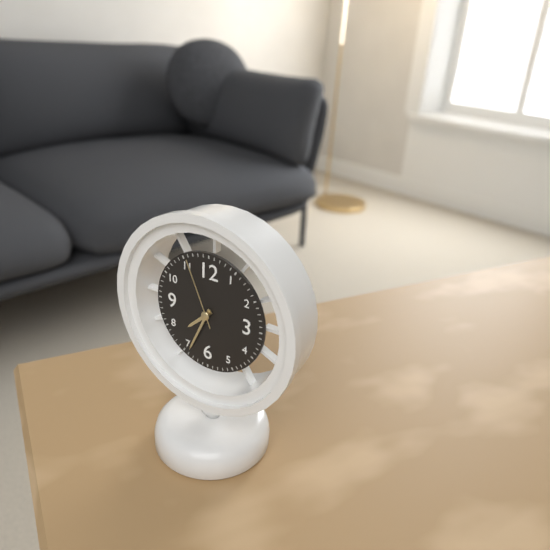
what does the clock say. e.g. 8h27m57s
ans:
7h34m56s
